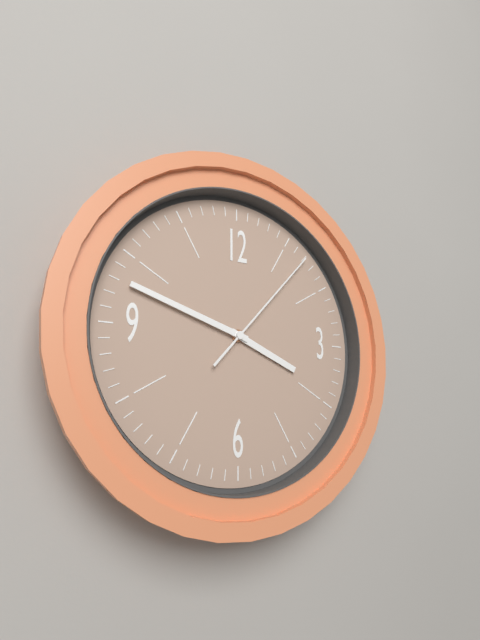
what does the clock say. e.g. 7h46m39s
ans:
3h48m07s
